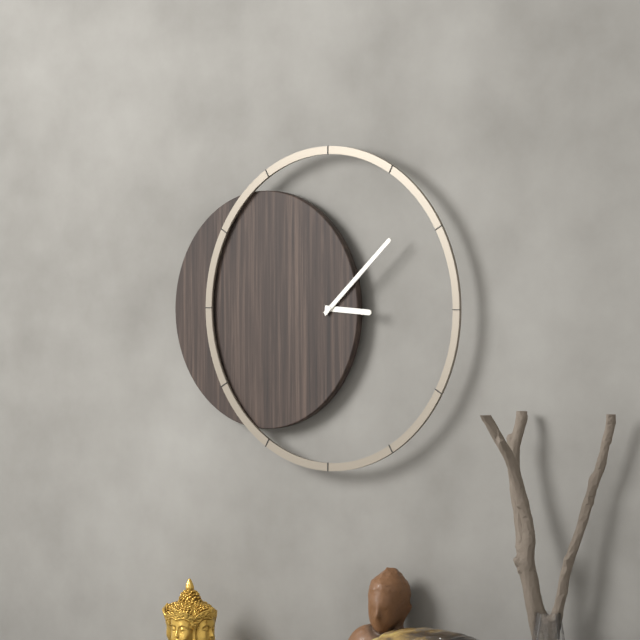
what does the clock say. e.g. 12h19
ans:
3h08
